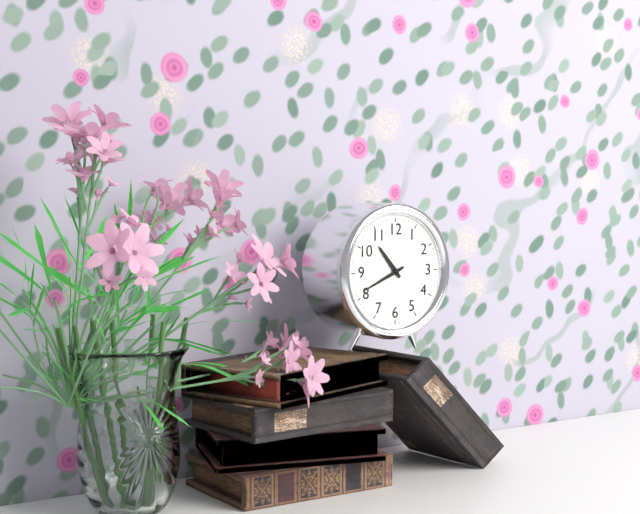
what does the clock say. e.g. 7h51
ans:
10h41
